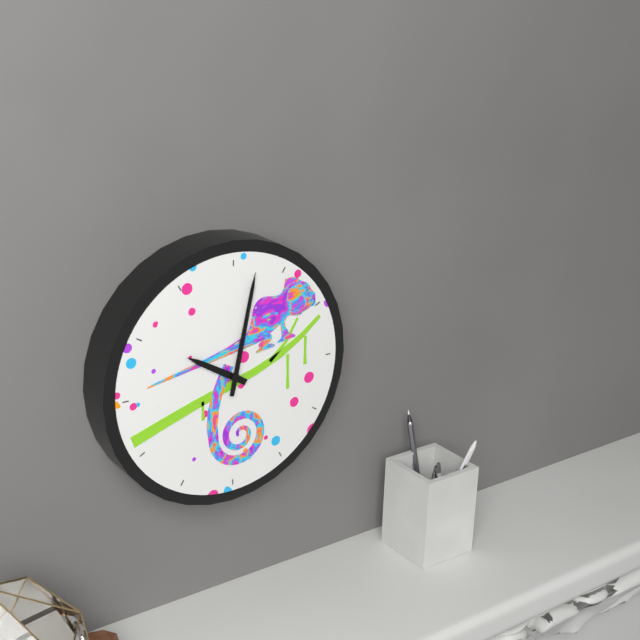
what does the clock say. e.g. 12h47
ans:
10h02
